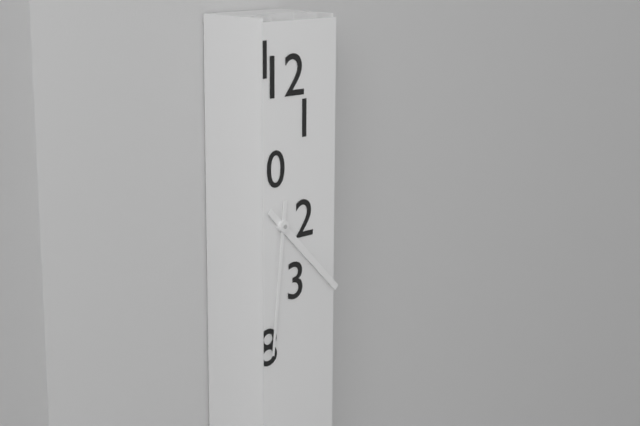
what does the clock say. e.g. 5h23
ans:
4h31
